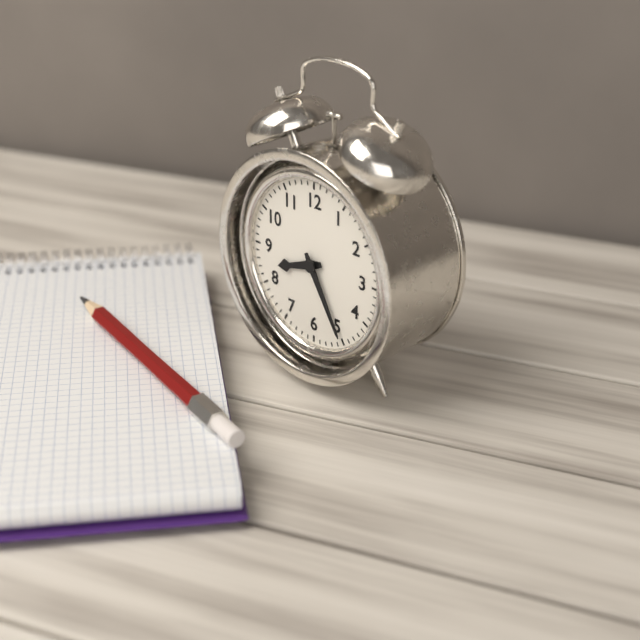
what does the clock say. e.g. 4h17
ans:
8h25
